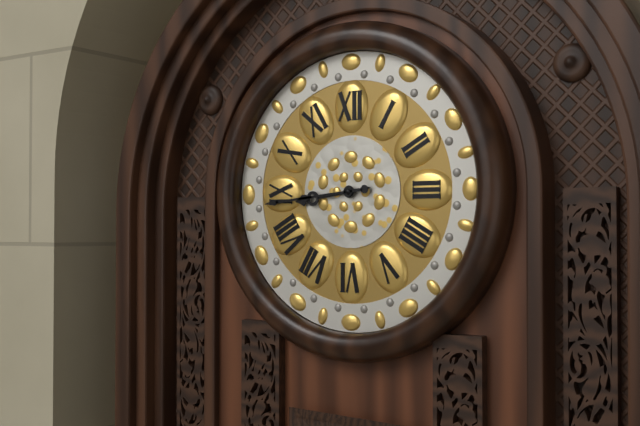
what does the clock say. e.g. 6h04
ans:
8h44
